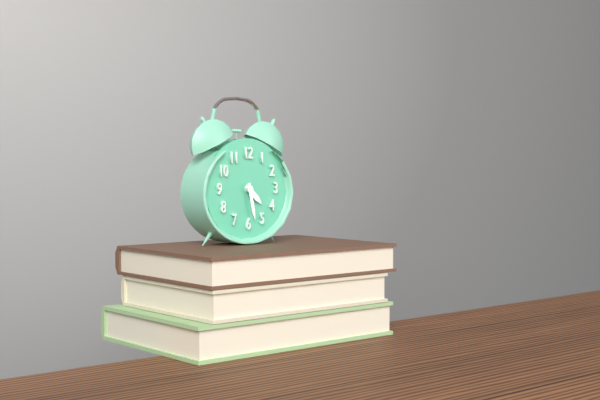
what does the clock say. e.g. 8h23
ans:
4h28
